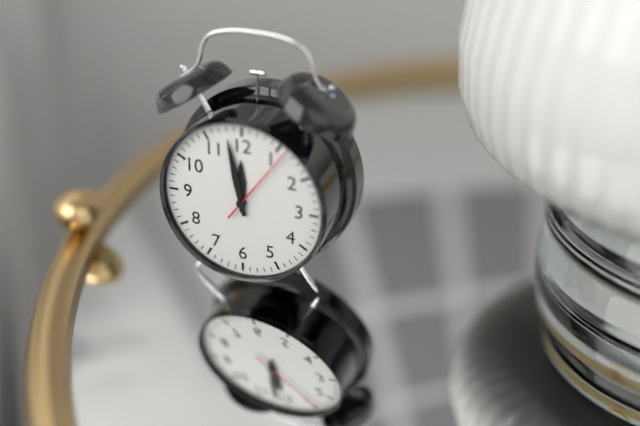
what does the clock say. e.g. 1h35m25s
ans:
11h58m06s
